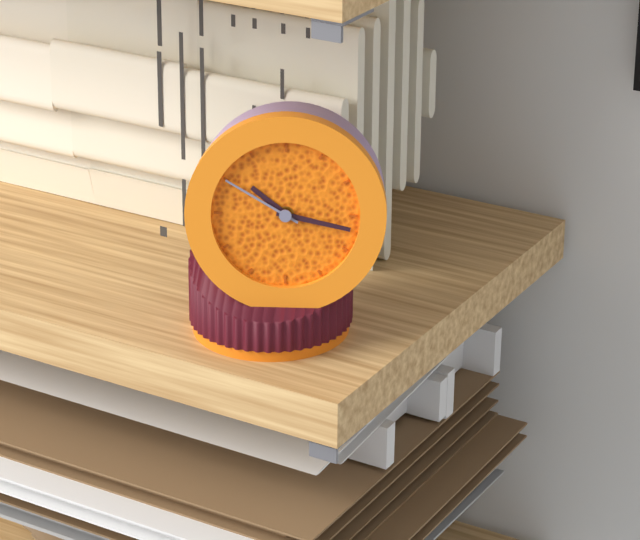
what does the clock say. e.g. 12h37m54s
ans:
10h17m50s
